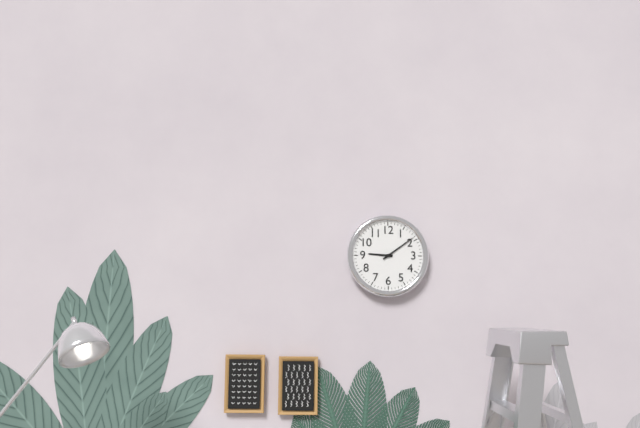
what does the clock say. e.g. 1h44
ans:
9h09
